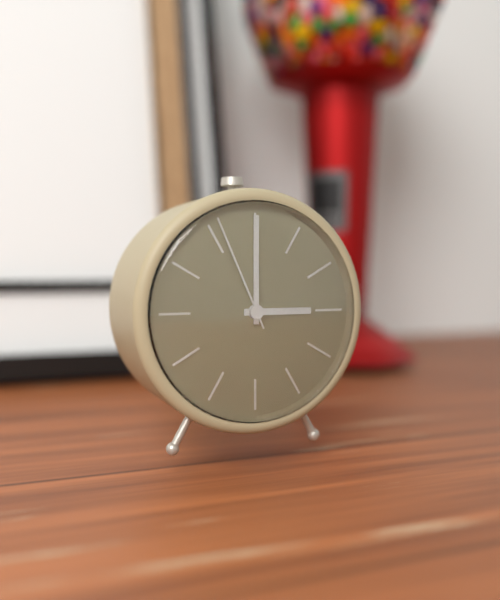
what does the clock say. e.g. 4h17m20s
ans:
3h00m56s
